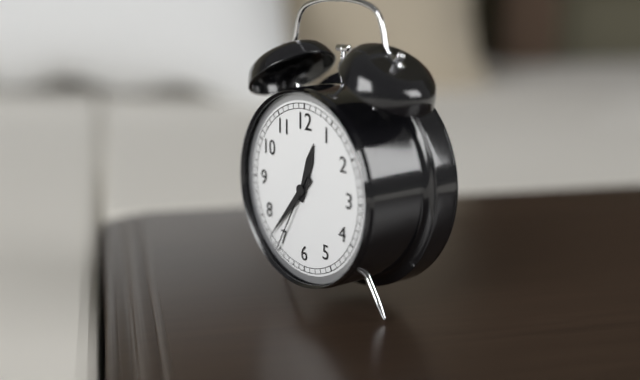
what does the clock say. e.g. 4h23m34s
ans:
12h37m35s
